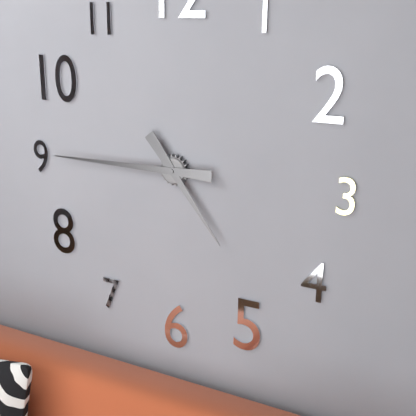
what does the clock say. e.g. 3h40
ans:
4h45
